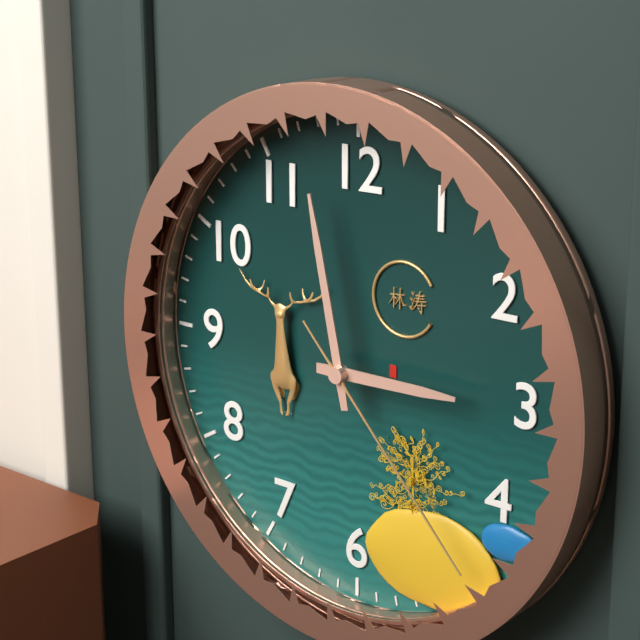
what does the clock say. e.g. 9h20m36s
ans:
2h58m23s
